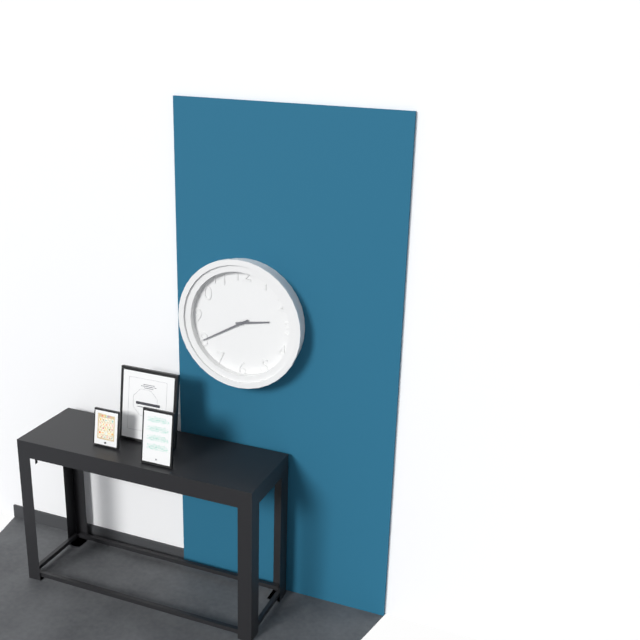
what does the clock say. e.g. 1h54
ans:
2h40
